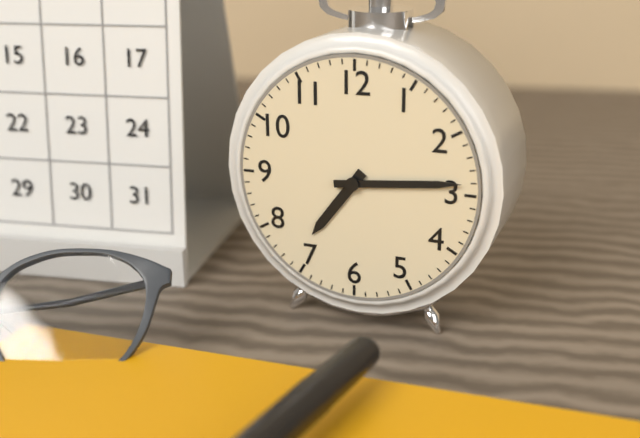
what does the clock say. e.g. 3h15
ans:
7h14
